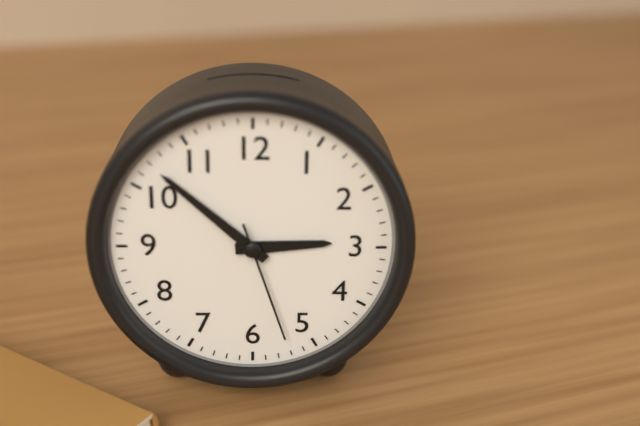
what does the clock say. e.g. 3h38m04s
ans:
2h52m27s
